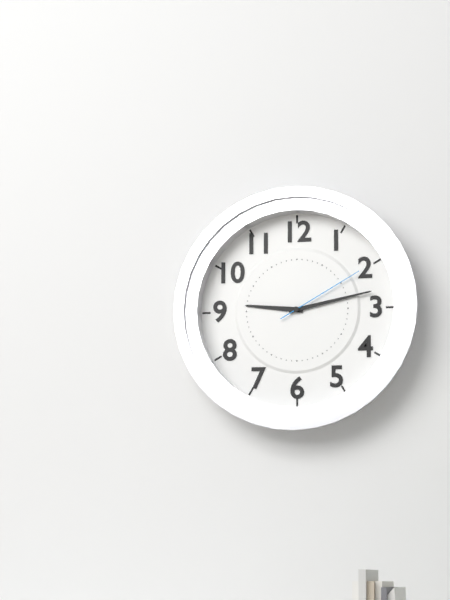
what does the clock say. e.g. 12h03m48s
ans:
9h13m10s
